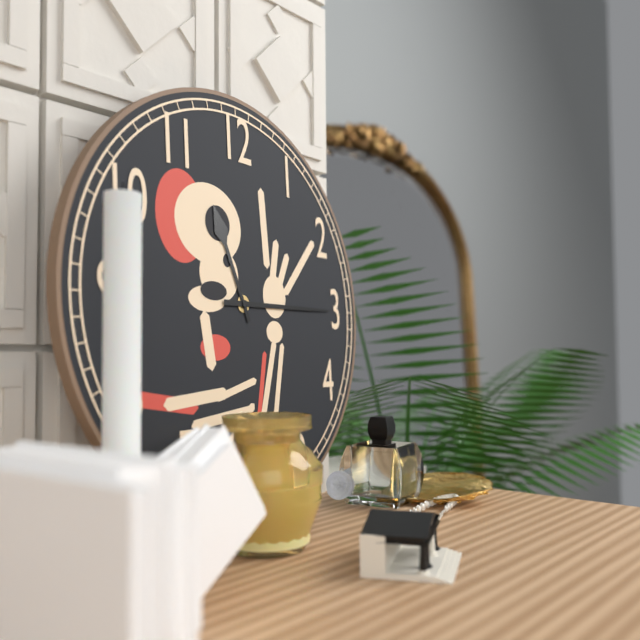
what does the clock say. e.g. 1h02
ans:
11h15
